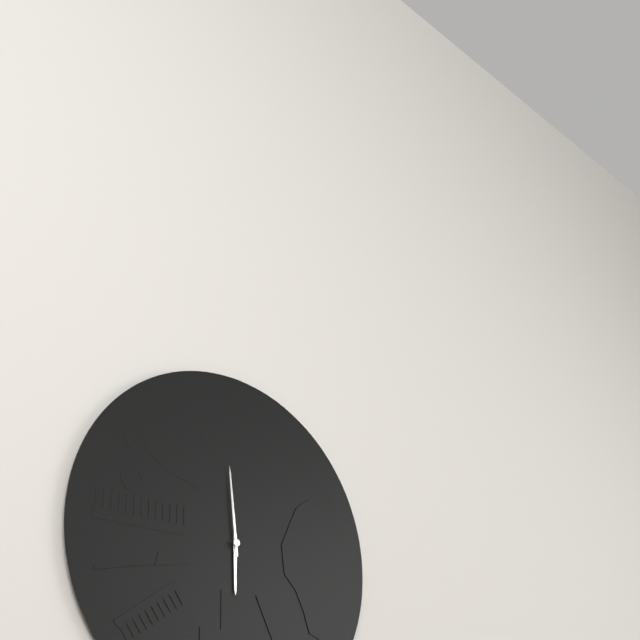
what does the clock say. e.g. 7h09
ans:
5h59
